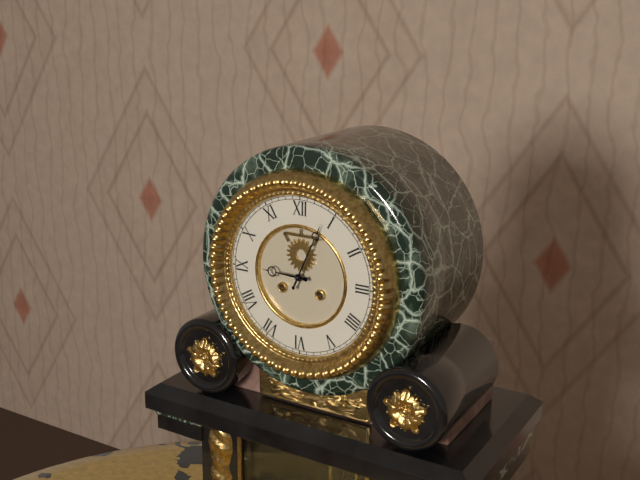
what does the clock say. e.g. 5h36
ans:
9h04
